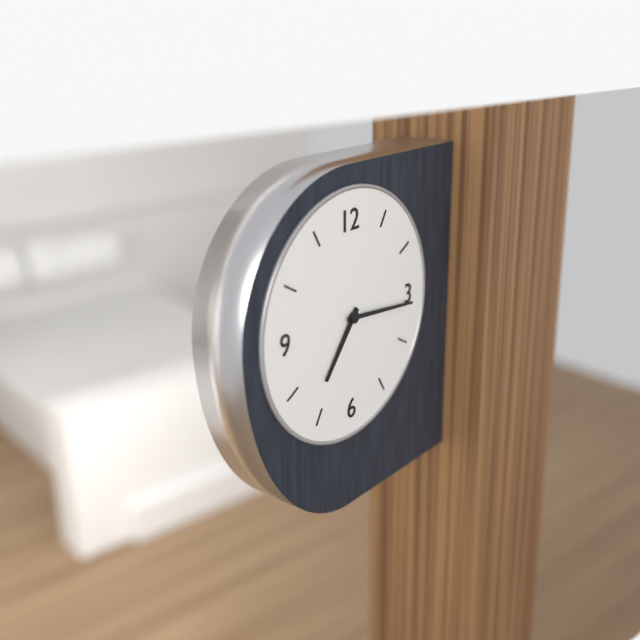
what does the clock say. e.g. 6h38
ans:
7h16
